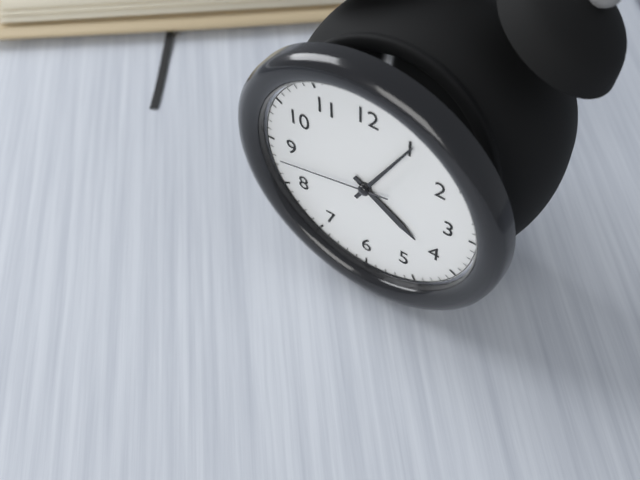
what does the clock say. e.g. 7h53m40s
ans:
4h05m43s
